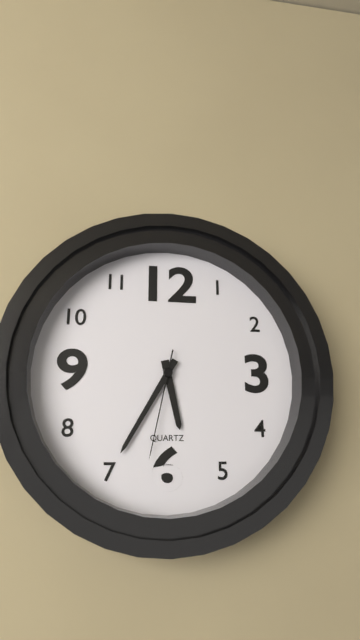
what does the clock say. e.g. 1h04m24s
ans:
5h35m32s
